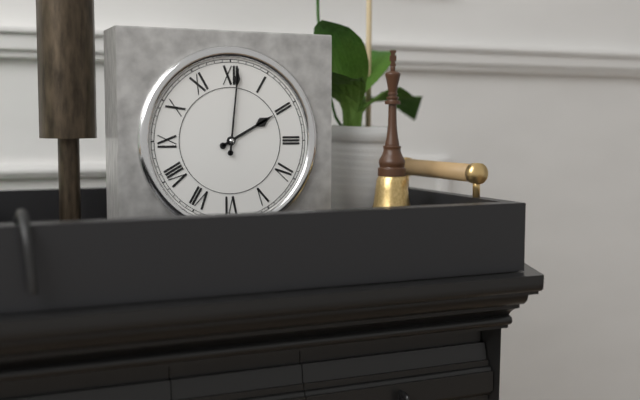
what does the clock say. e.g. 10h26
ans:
2h01
